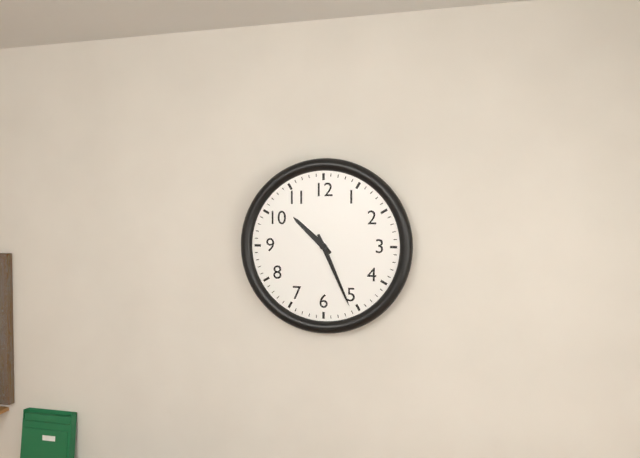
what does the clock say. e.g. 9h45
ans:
10h26
